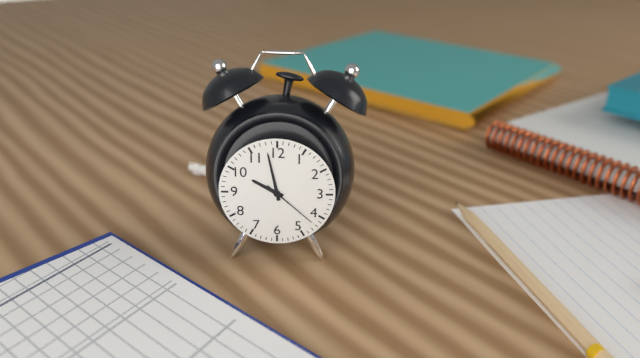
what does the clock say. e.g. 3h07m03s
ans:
9h58m22s
